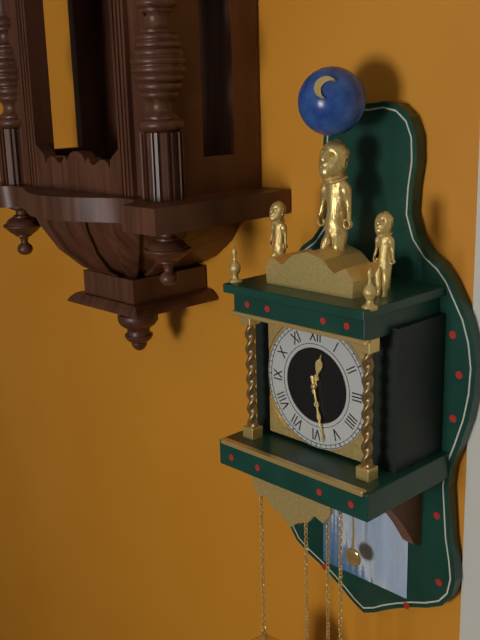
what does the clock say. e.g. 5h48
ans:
12h28
